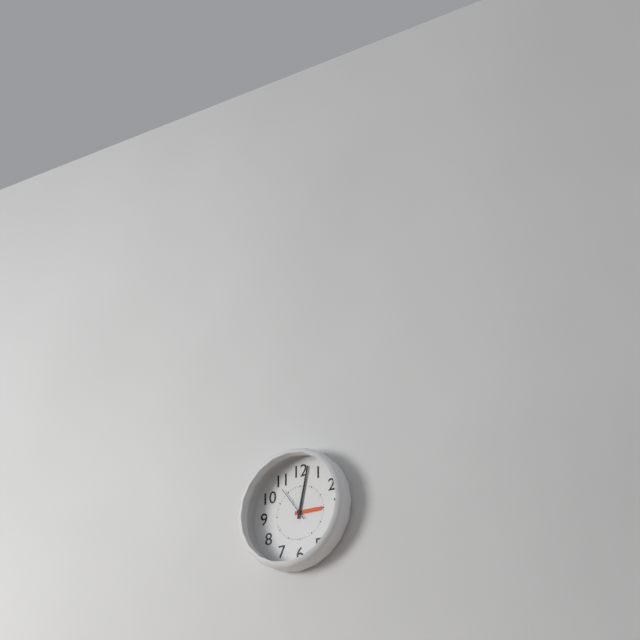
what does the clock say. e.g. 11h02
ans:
3h02
